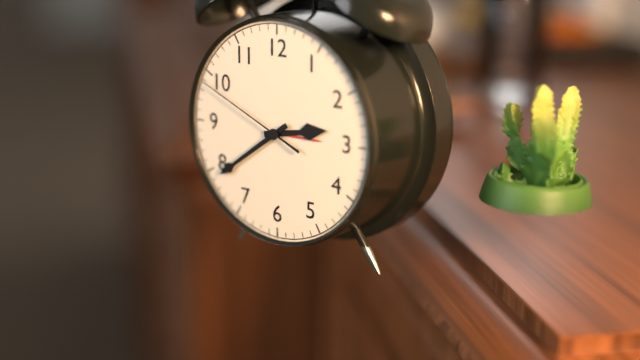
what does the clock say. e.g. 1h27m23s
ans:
2h39m49s
